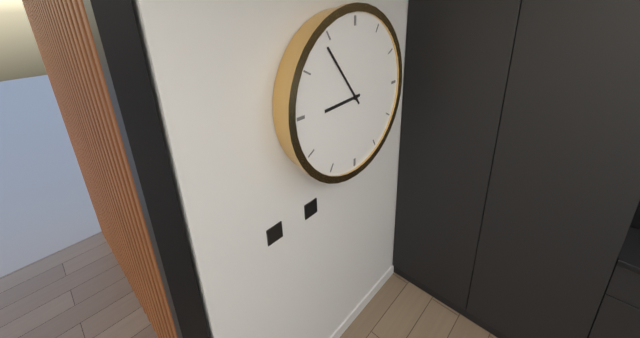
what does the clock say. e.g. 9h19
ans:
8h54
